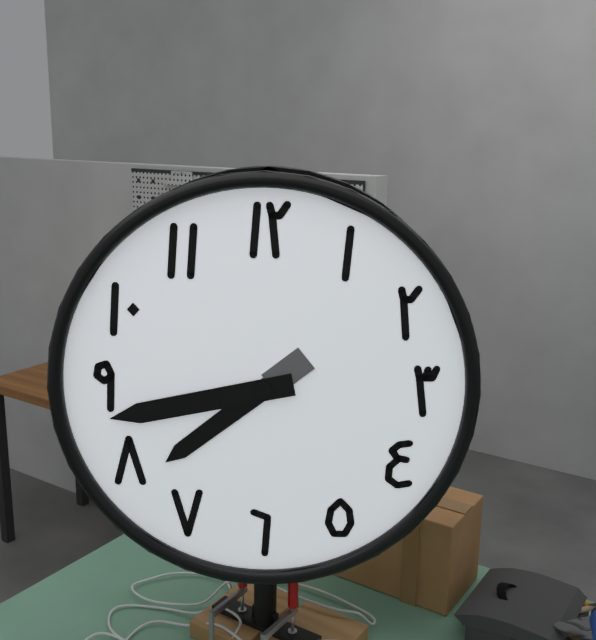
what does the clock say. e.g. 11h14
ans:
7h43
